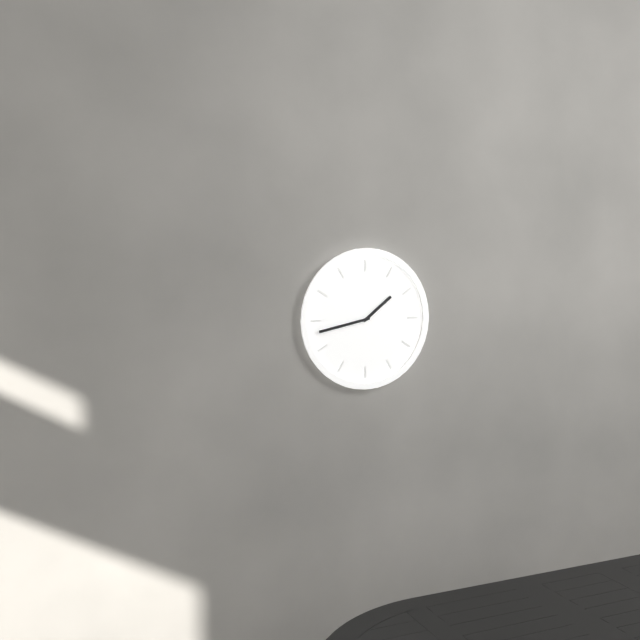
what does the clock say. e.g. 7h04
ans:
1h43
